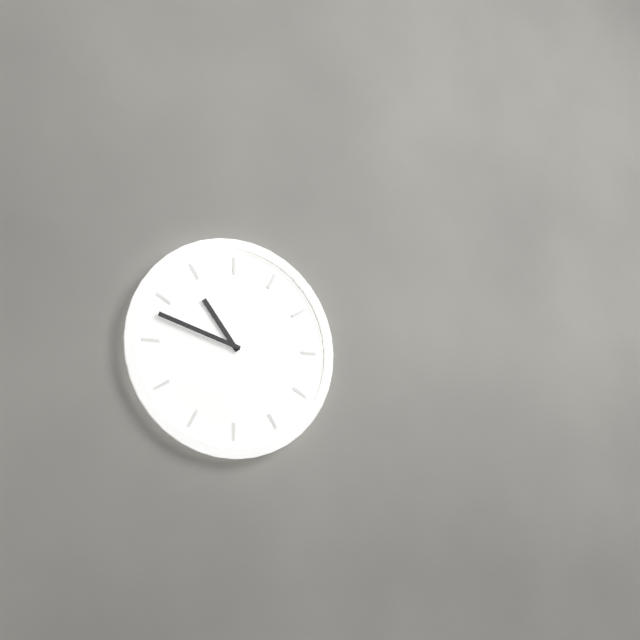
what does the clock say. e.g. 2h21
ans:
10h48
